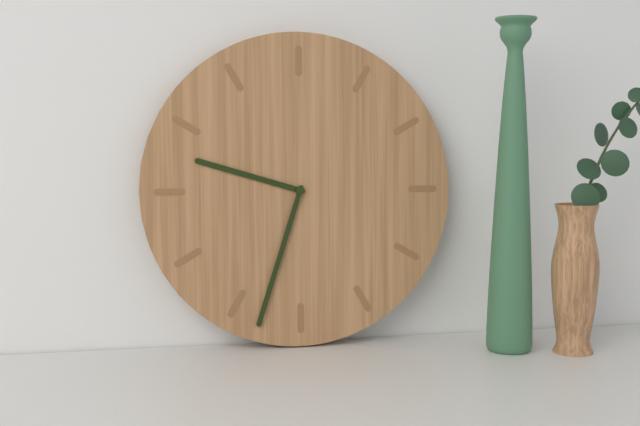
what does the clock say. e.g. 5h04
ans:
9h33
